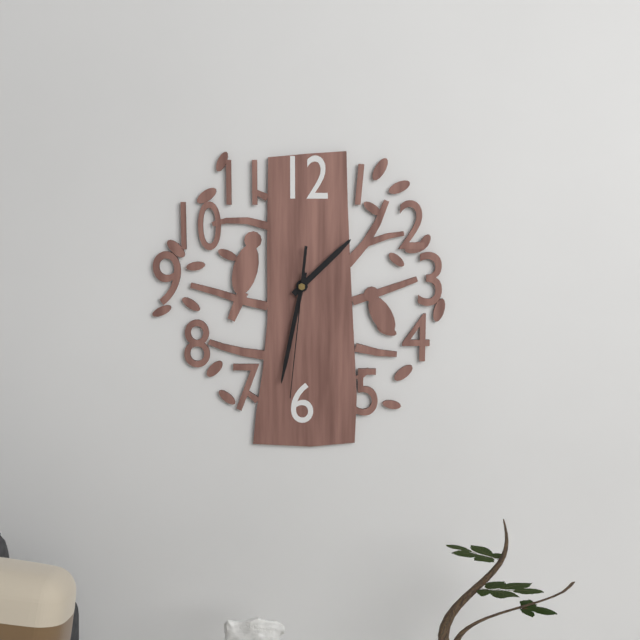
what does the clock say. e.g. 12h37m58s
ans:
1h32m31s
